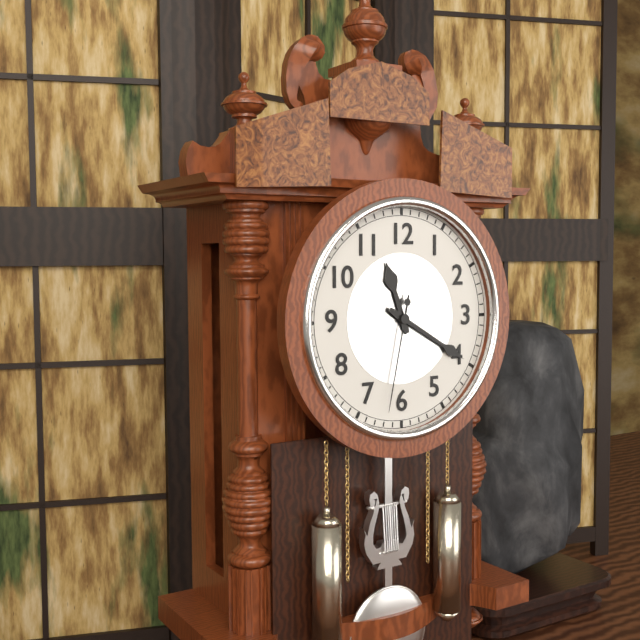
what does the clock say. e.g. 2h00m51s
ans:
11h20m32s
